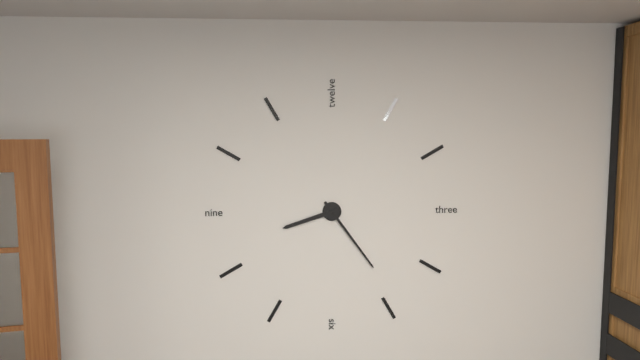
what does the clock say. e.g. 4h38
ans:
8h24
